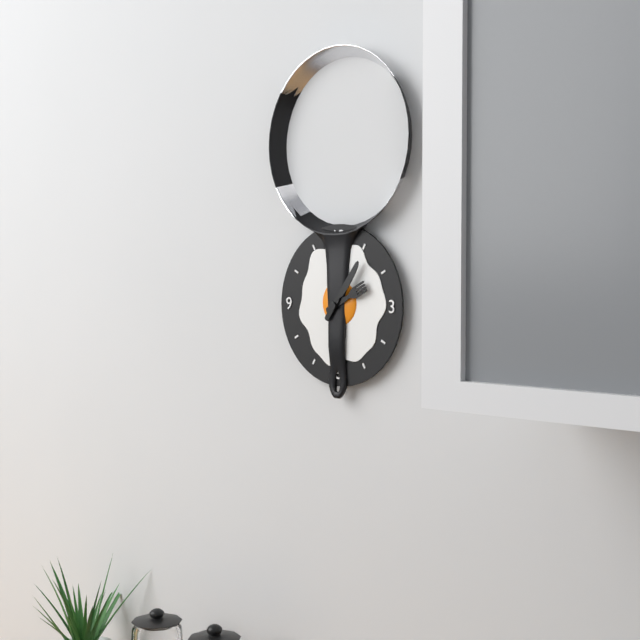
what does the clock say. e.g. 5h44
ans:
2h06
